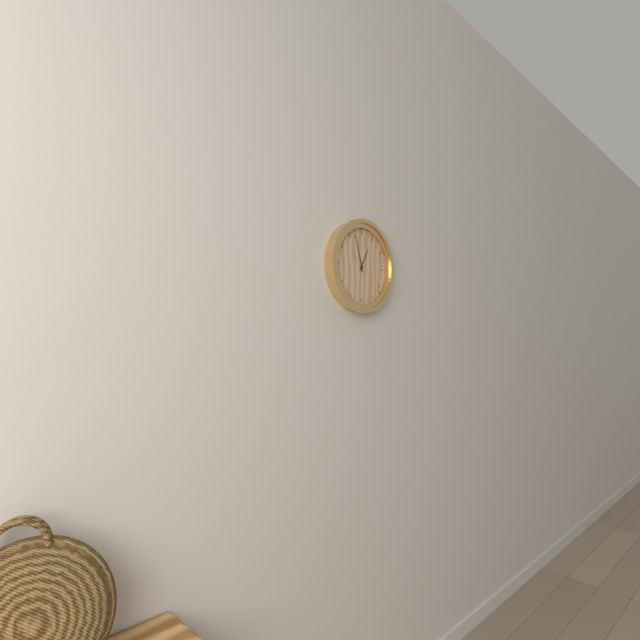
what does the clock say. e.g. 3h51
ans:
12h57
